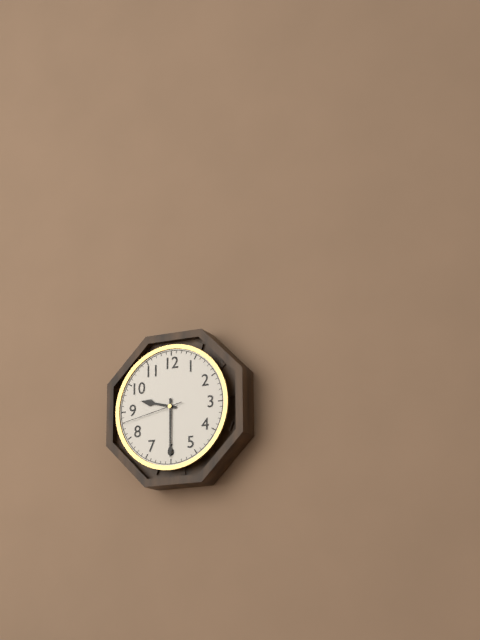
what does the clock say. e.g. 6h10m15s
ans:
9h30m43s
